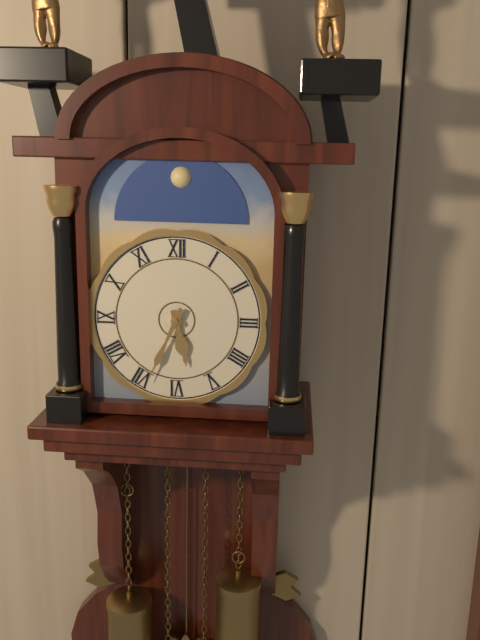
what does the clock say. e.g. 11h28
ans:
5h34
